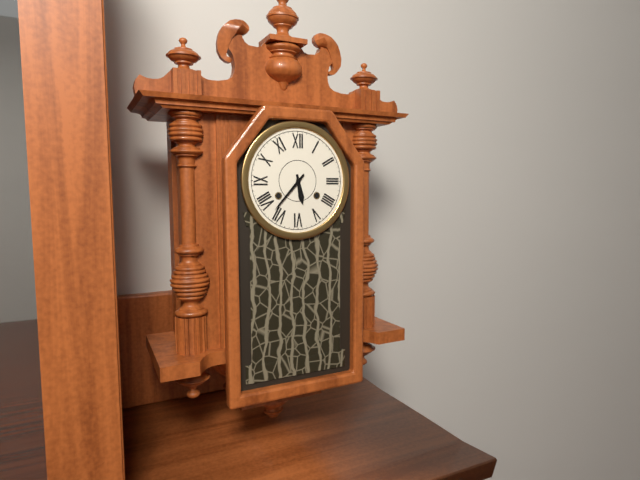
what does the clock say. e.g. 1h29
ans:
5h37
